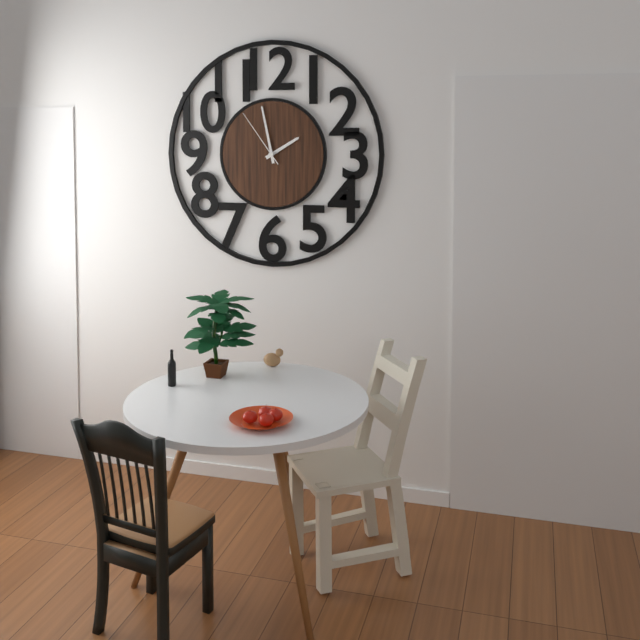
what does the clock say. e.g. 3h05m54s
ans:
1h58m54s
